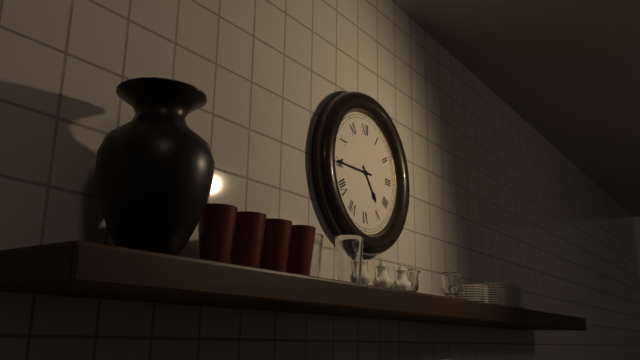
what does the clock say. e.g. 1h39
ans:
4h45
